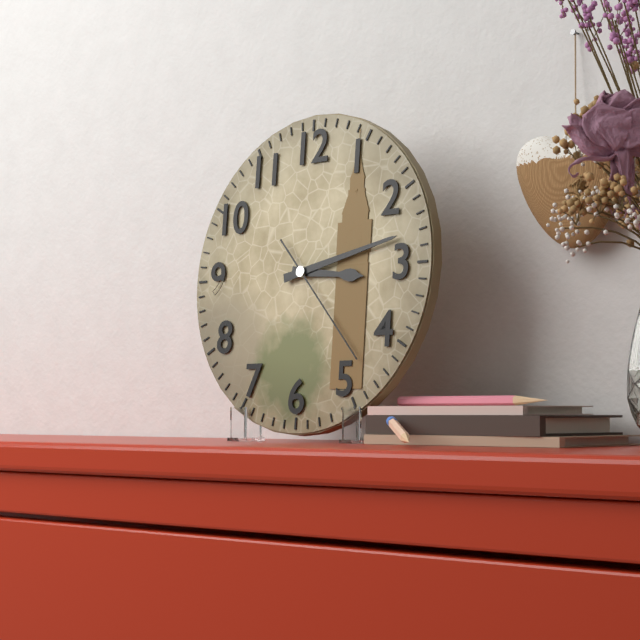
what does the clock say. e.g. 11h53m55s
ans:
3h13m23s
